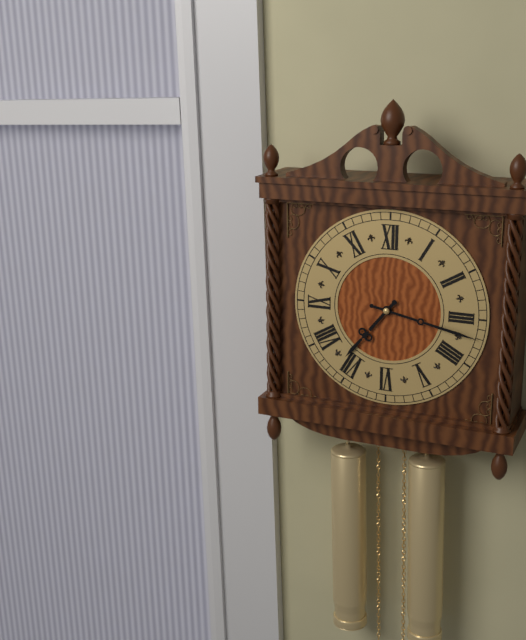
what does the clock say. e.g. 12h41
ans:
7h17
